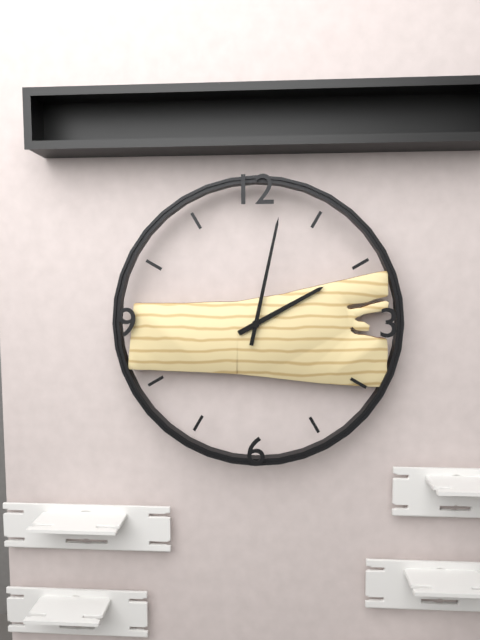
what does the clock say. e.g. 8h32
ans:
2h02
